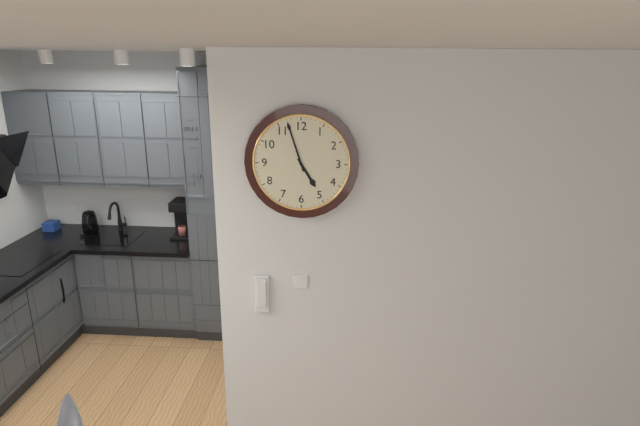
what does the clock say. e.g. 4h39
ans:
4h57
